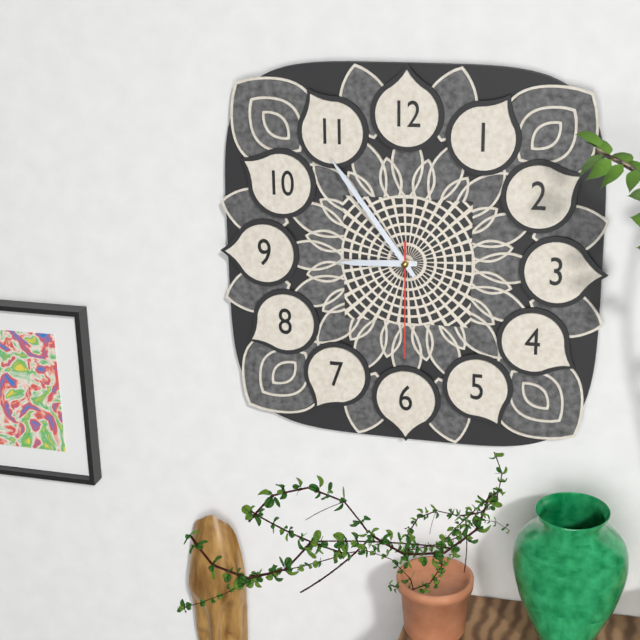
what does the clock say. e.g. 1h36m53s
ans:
8h54m30s
